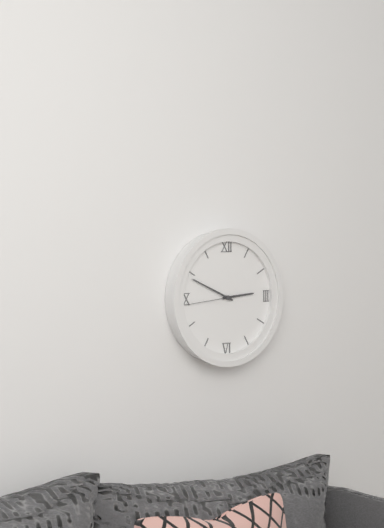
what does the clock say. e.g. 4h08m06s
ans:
2h49m44s
